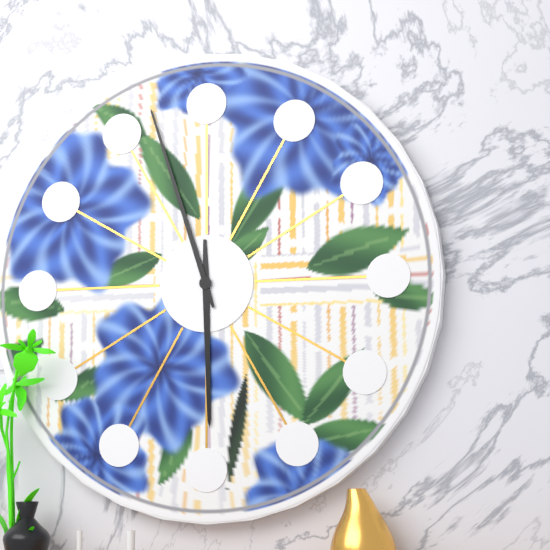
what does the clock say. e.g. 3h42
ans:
5h57
